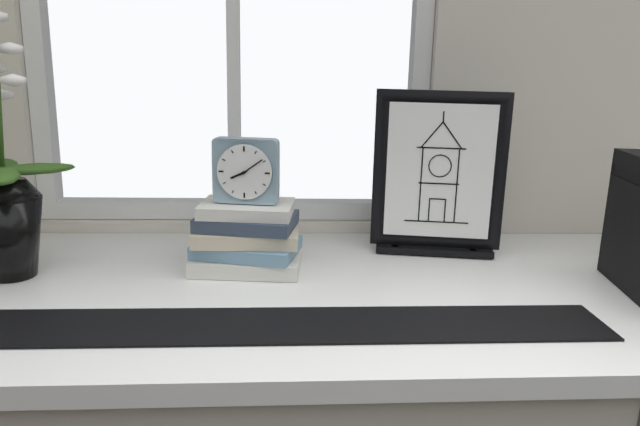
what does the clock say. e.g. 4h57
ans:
8h09
